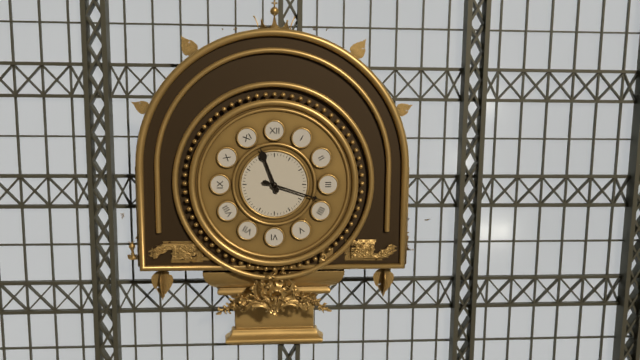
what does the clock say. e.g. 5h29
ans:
11h18
